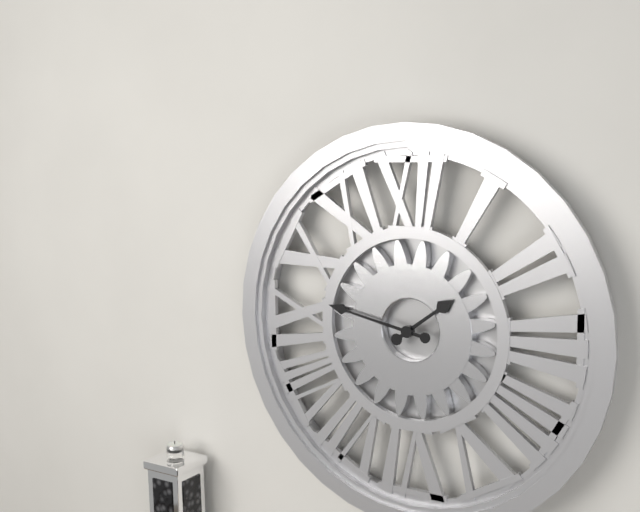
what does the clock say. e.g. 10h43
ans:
1h47
